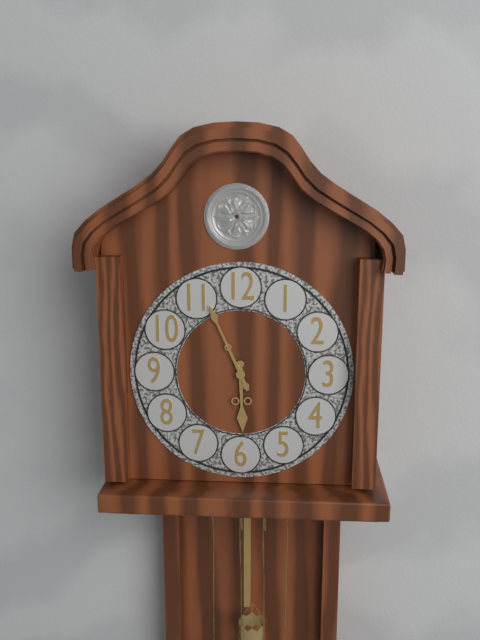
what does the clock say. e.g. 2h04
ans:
5h56
